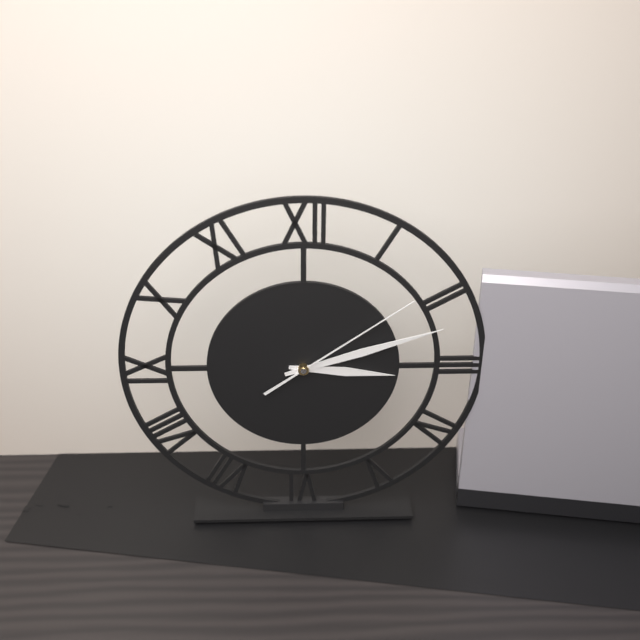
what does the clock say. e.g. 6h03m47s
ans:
3h12m09s
